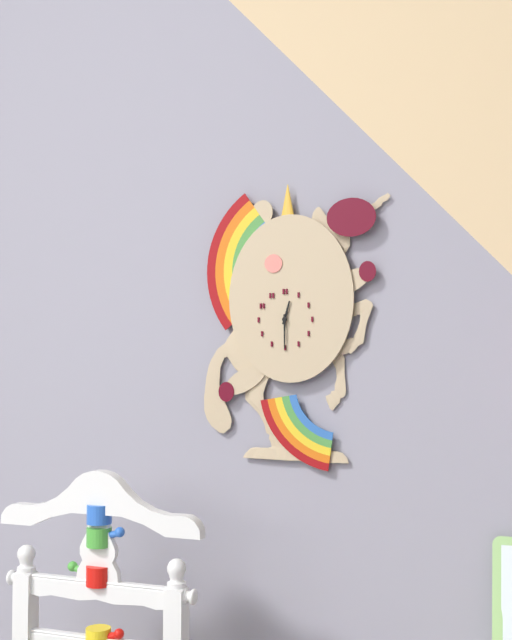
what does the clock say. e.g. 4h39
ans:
12h30
